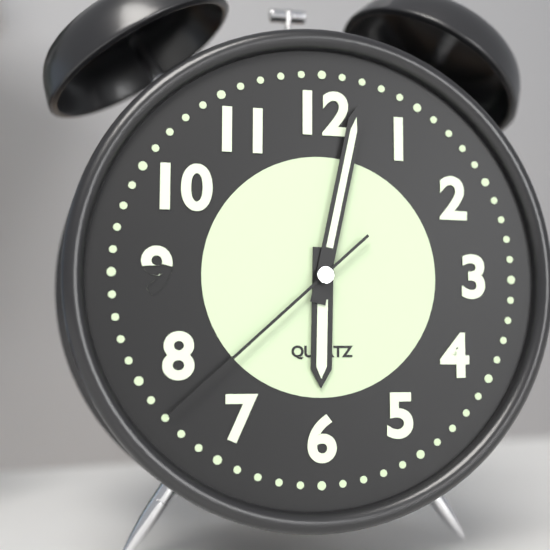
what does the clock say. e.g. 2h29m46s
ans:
6h02m38s
